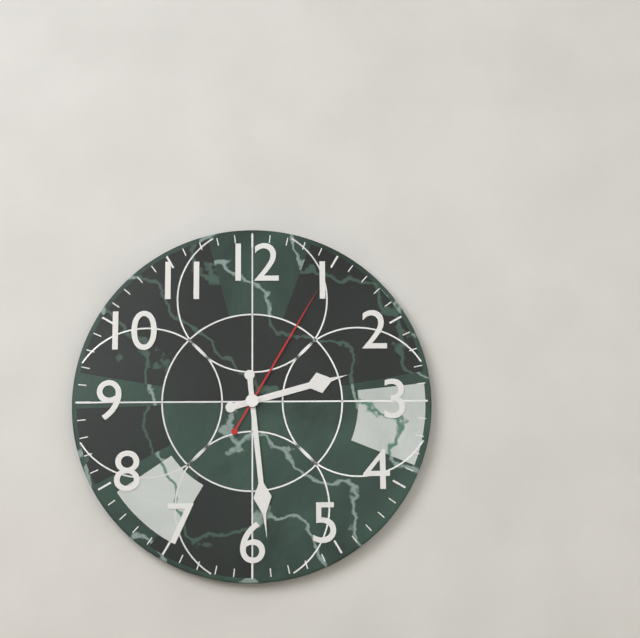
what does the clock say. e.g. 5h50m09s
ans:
2h29m05s
